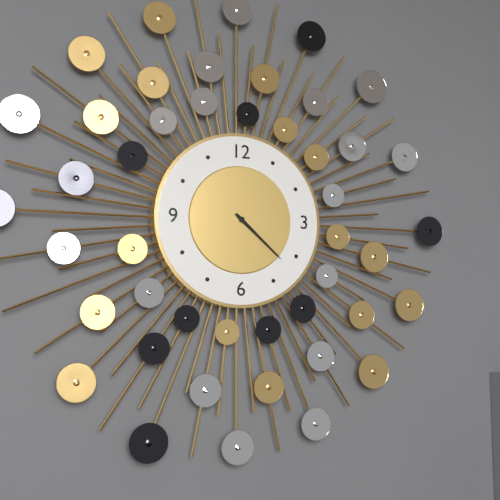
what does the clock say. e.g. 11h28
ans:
4h22
